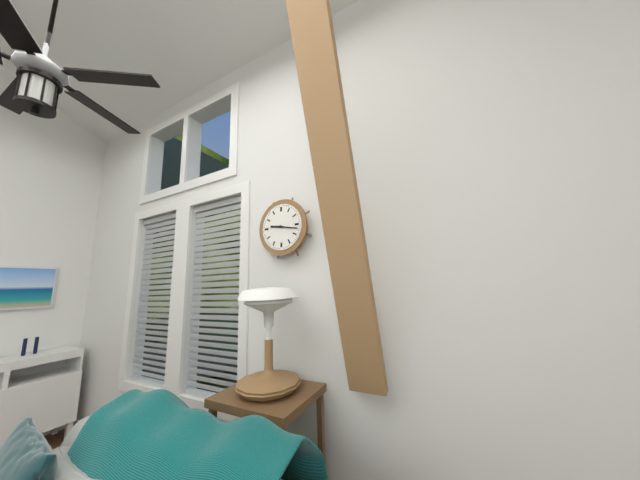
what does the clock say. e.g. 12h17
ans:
9h17
